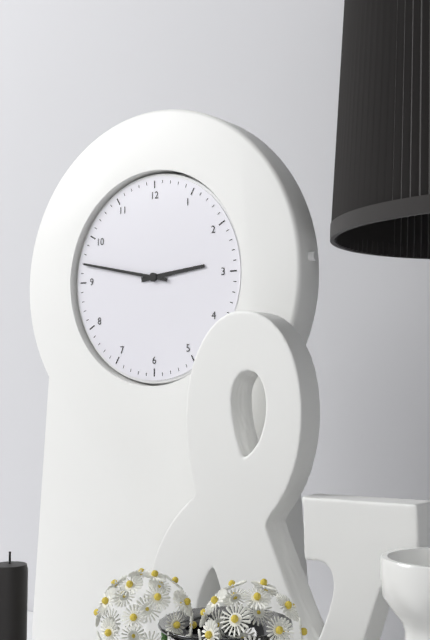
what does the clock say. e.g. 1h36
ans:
2h47
